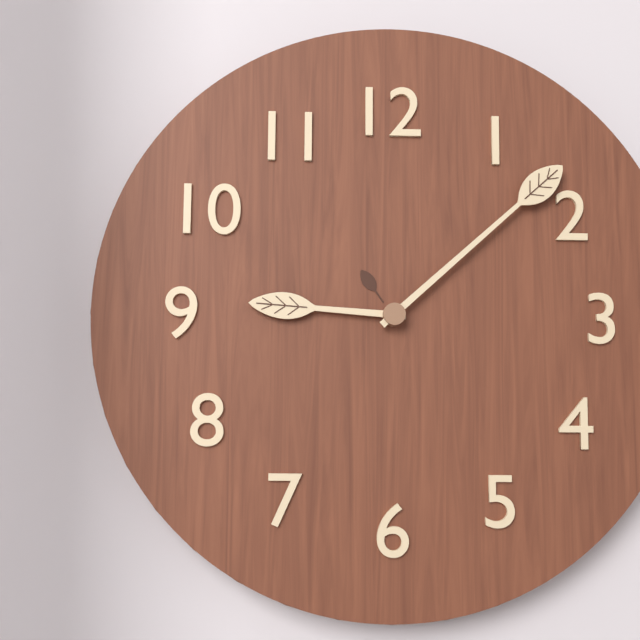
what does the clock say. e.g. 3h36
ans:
9h08
